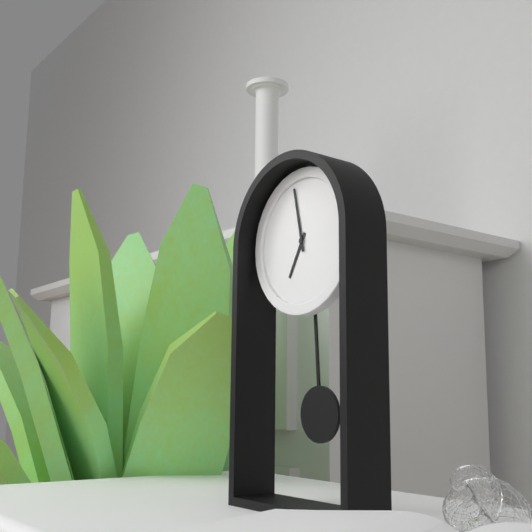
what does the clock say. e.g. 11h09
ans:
6h58
